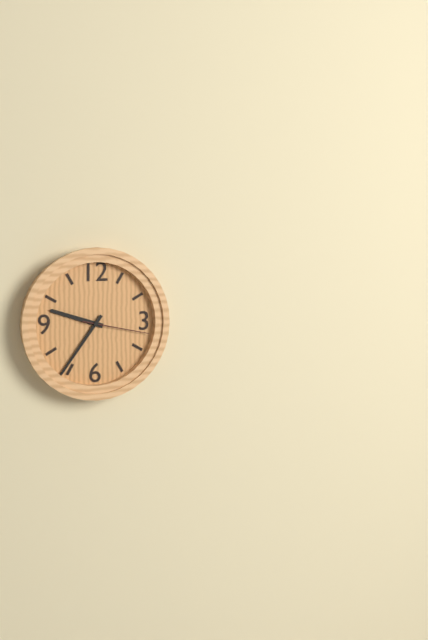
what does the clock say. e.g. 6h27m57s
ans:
9h36m17s
